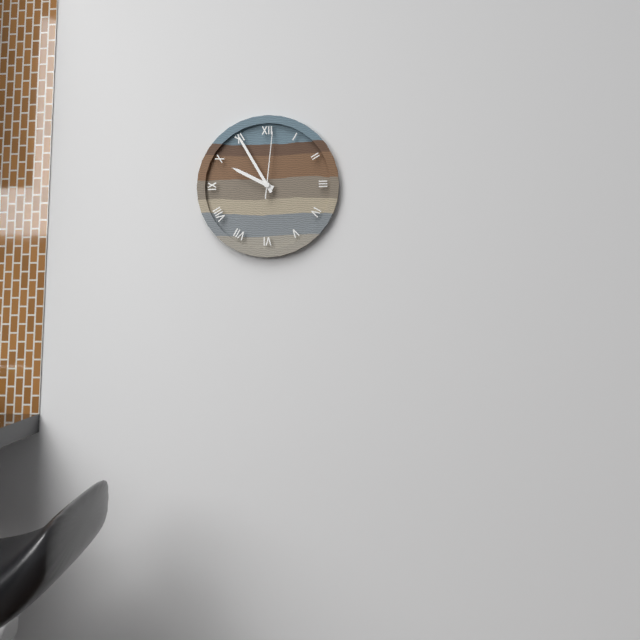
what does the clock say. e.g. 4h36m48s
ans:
9h55m01s
